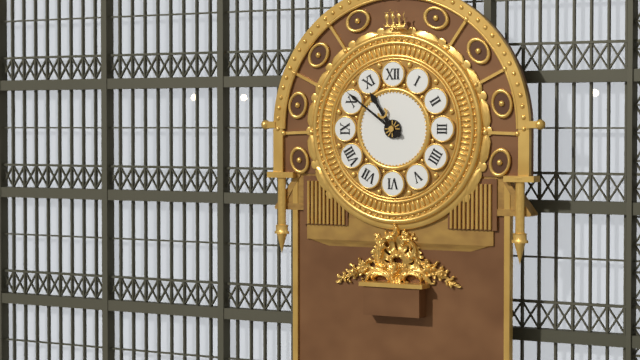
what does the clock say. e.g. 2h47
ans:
10h51
